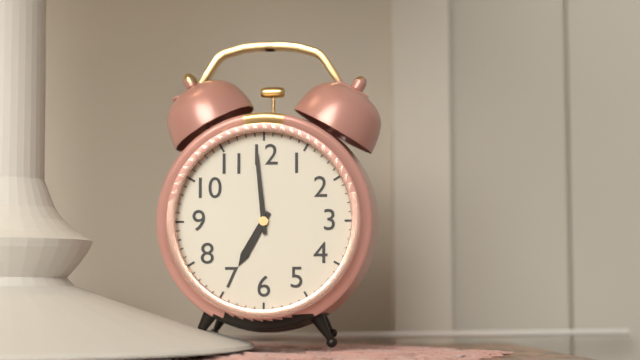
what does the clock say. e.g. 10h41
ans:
6h59
